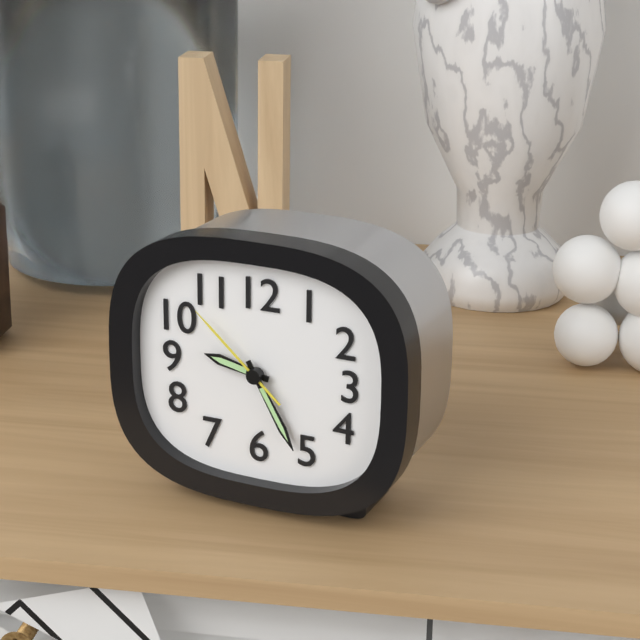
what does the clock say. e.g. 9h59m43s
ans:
9h25m52s
